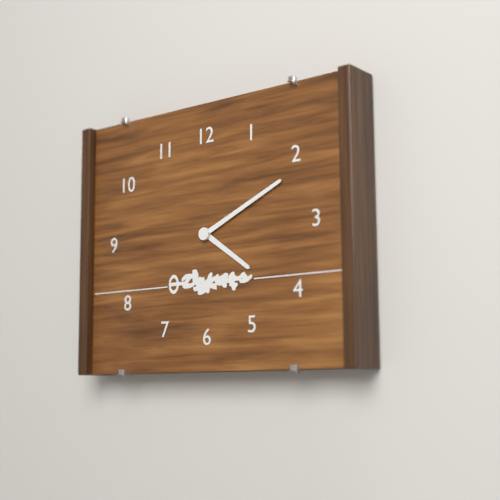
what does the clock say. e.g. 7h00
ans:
4h11
